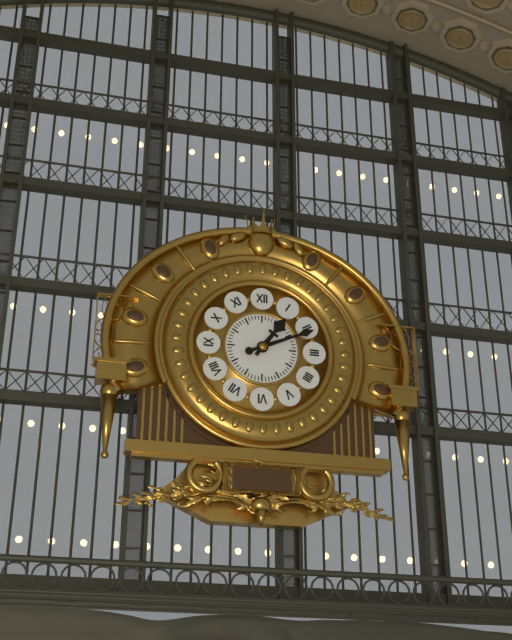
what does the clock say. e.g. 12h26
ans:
1h11
